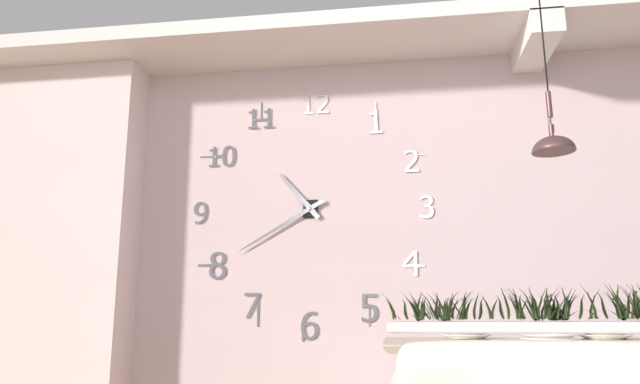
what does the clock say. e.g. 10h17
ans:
10h40
